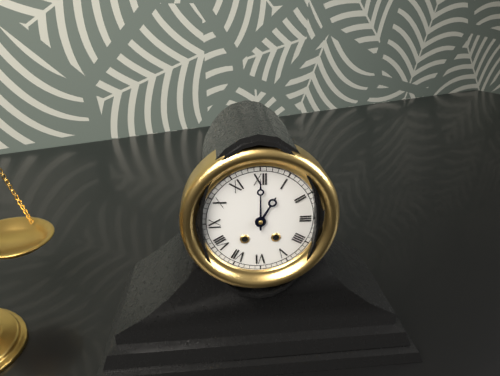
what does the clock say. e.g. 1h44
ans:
1h00
